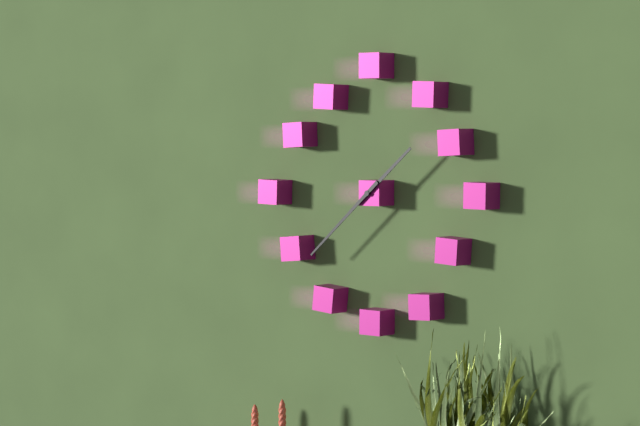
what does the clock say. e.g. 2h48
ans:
1h38
